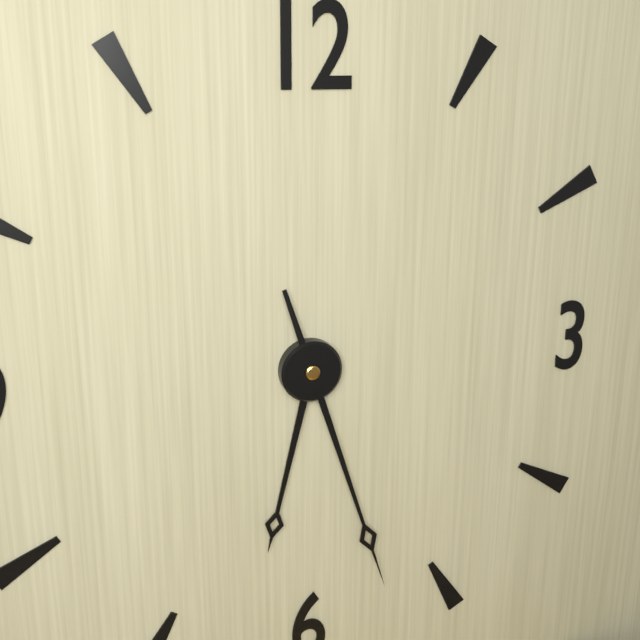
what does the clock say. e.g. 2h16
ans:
6h27
